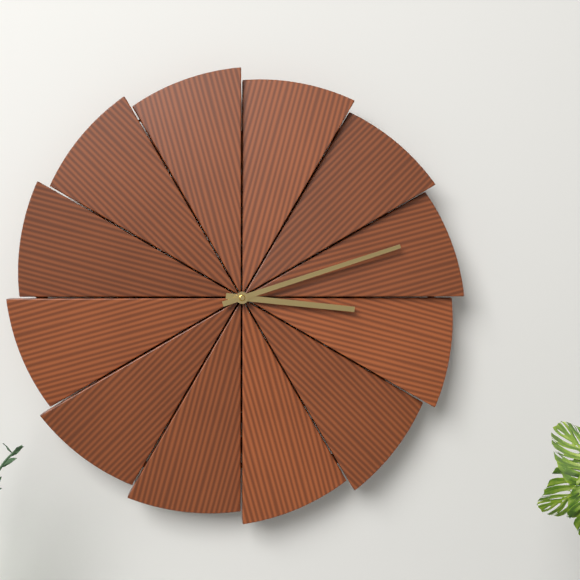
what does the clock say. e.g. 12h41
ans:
3h12
